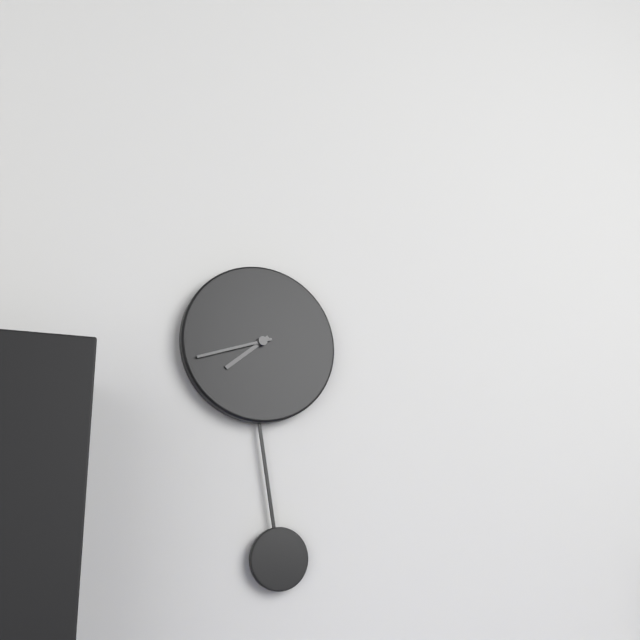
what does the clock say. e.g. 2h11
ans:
7h42
